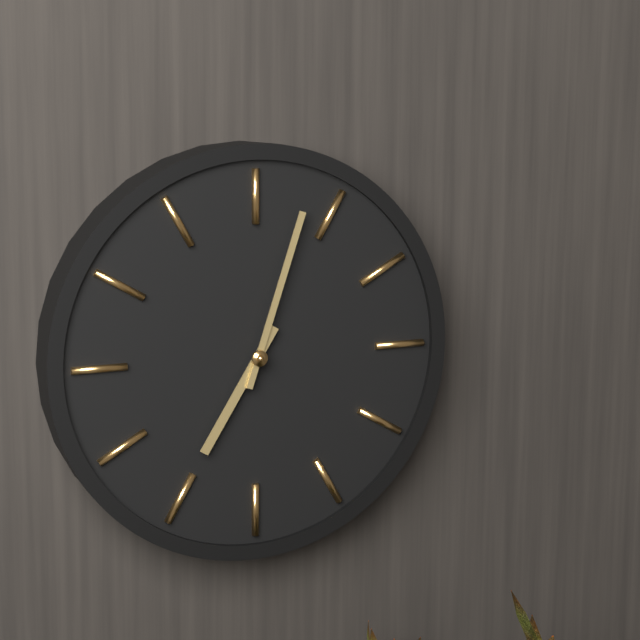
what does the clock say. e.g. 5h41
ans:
7h03
